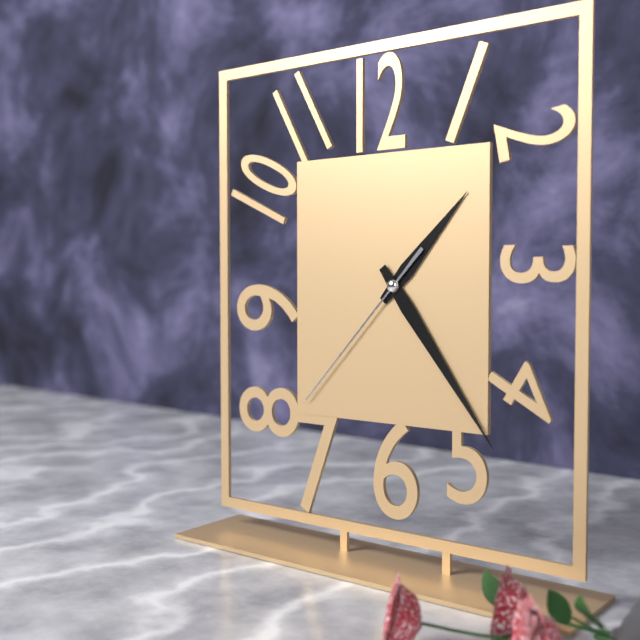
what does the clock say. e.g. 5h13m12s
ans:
1h24m37s
